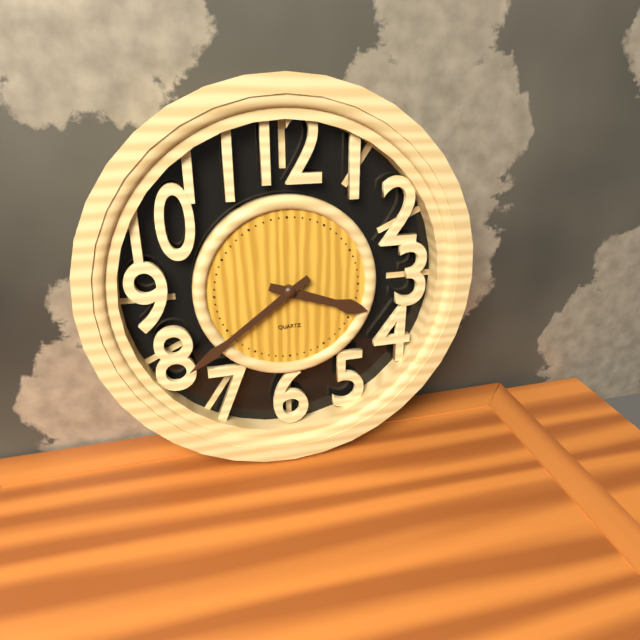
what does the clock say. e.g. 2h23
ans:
3h39
